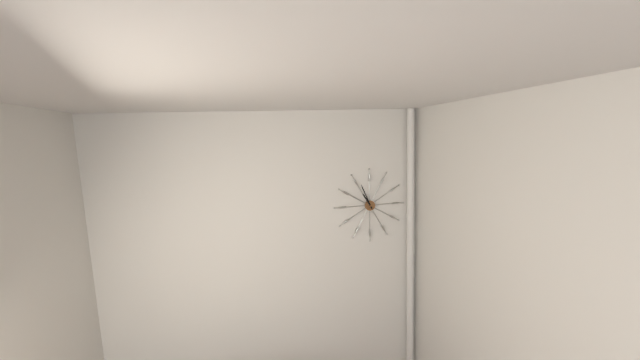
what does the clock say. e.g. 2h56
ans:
10h56
